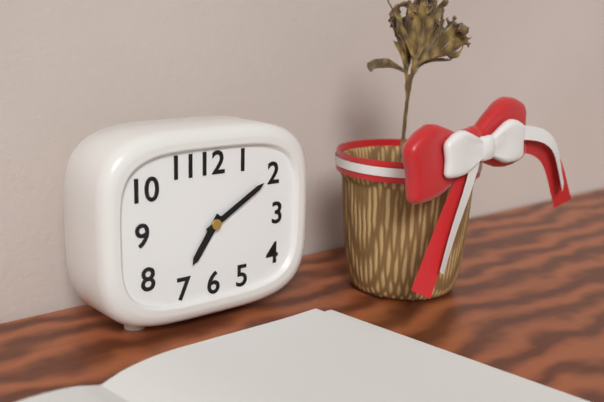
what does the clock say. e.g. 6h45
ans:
7h10
